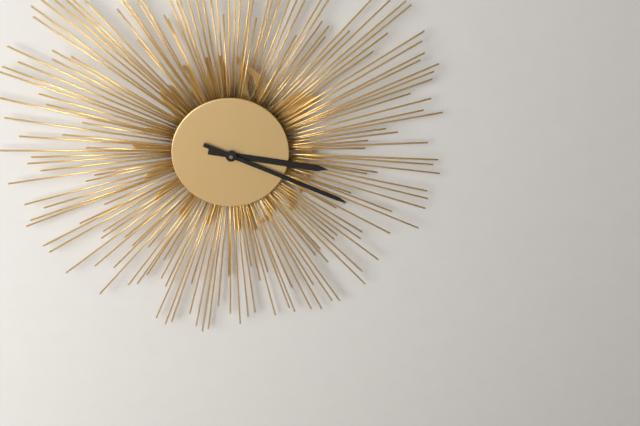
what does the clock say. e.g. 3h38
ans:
3h19
